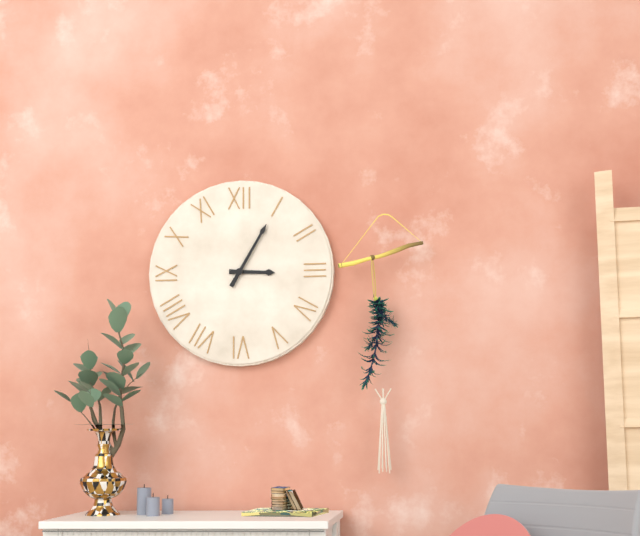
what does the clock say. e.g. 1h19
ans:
3h05
